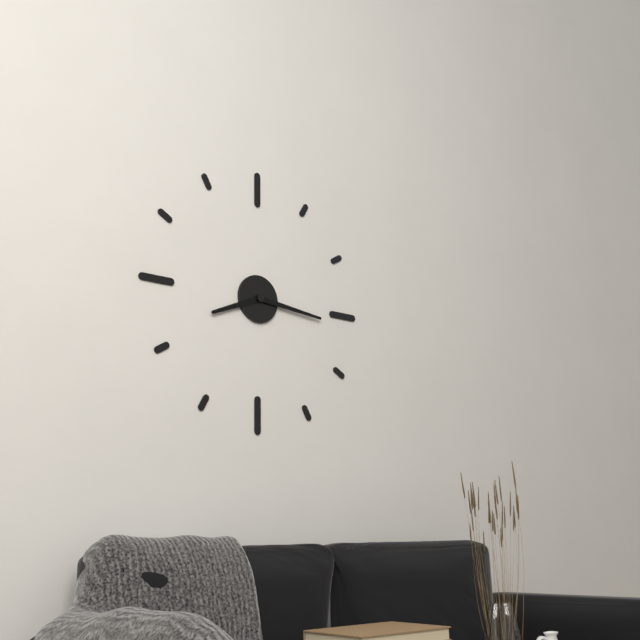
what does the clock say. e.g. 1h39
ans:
8h16
